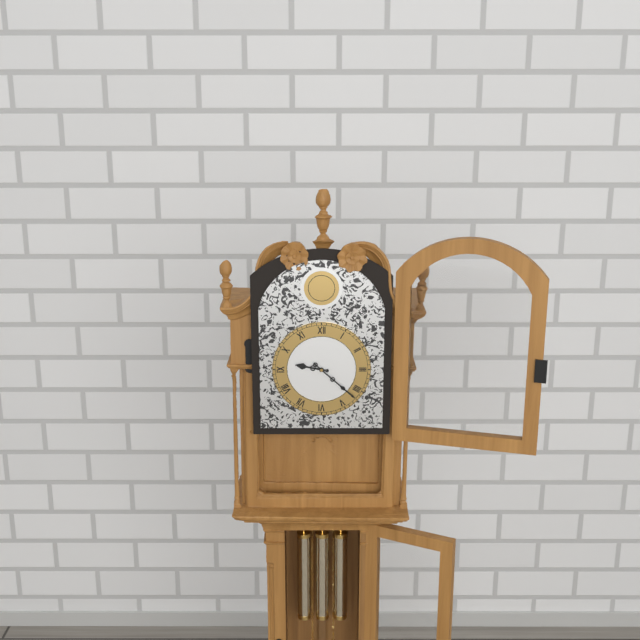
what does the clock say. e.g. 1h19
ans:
9h22
